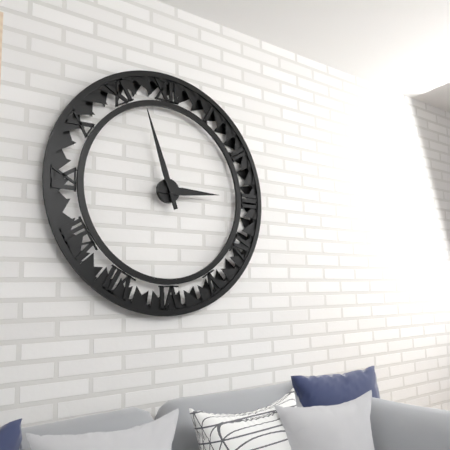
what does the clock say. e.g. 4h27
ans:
2h57
